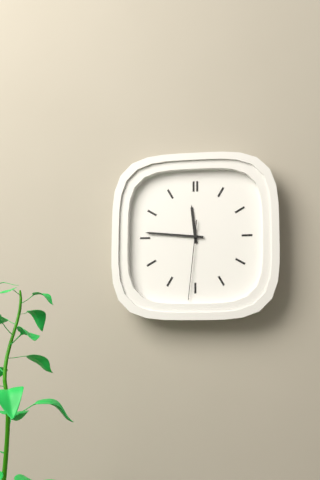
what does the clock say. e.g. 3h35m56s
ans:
11h46m31s
